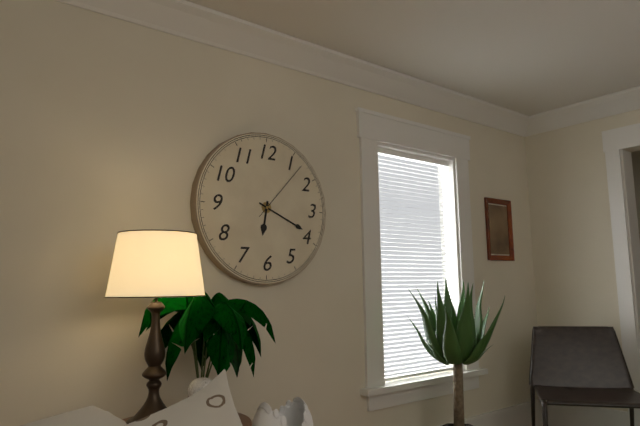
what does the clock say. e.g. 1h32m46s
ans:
6h19m07s
